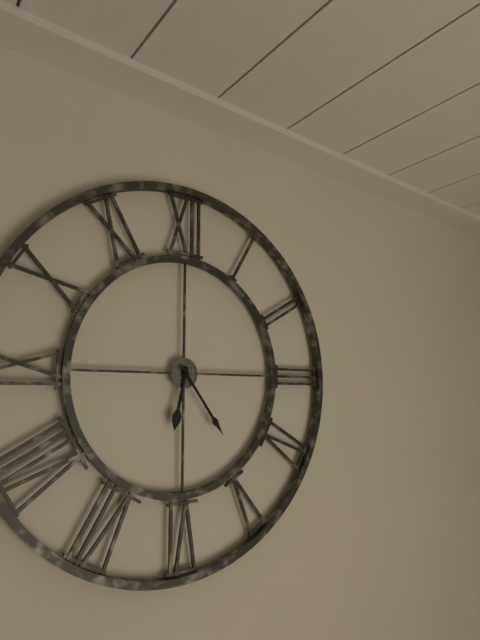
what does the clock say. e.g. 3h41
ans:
6h24
